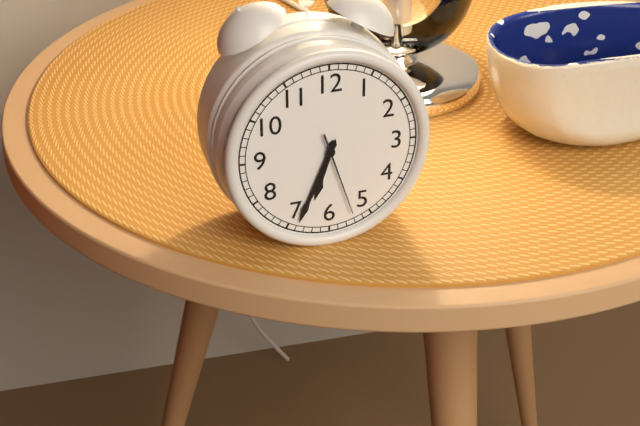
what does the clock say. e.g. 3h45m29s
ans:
6h34m27s
